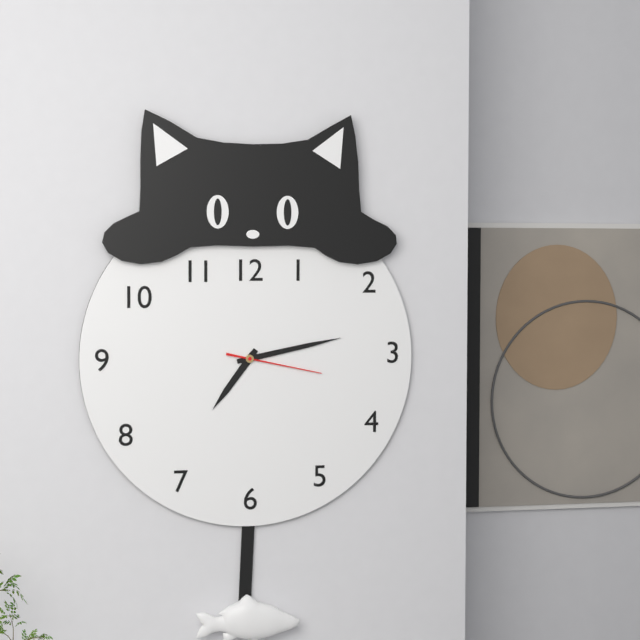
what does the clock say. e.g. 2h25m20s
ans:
7h13m17s
